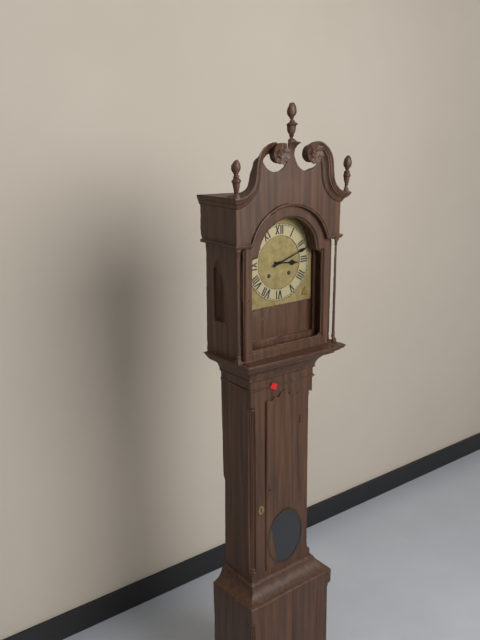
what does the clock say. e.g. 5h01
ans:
3h12
